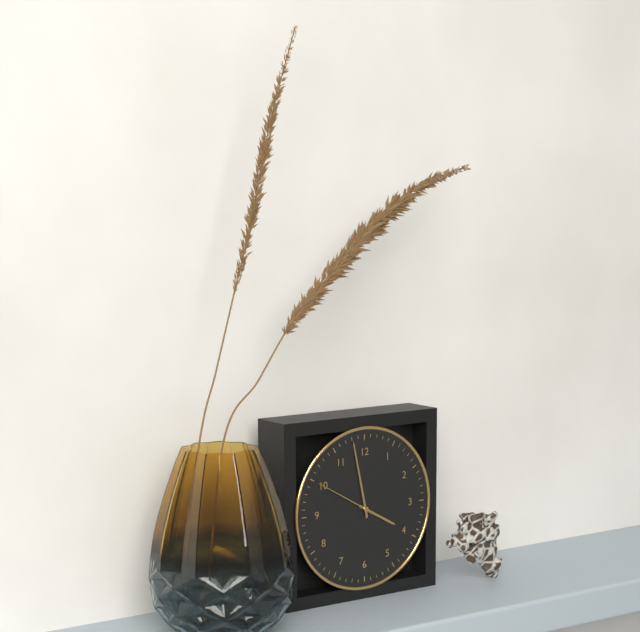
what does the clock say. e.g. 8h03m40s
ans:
3h58m50s
